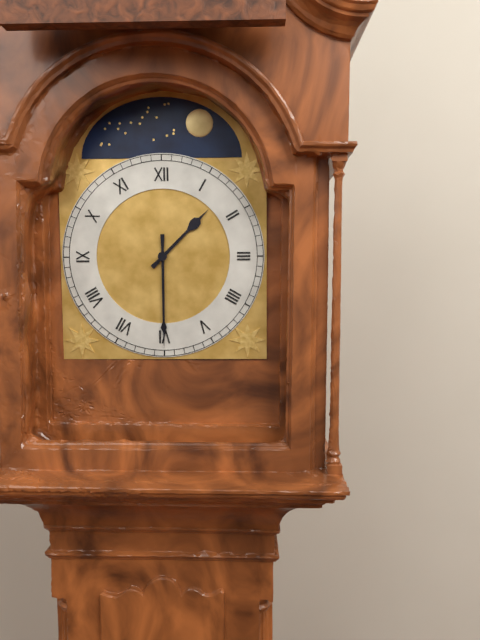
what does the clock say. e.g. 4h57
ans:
1h30
